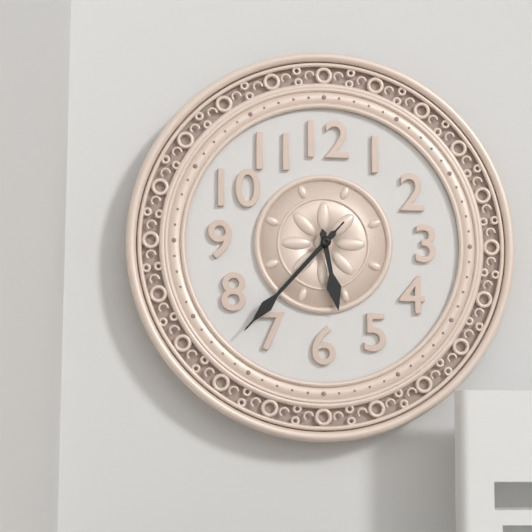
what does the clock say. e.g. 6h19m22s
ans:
5h37m37s
